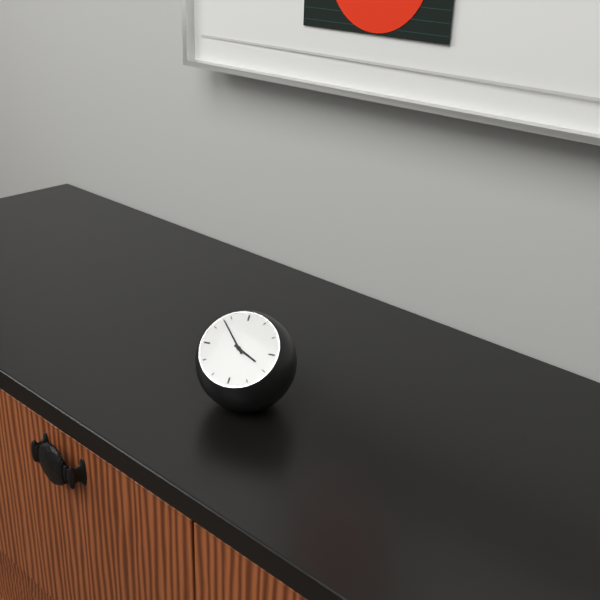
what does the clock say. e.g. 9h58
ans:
3h53
